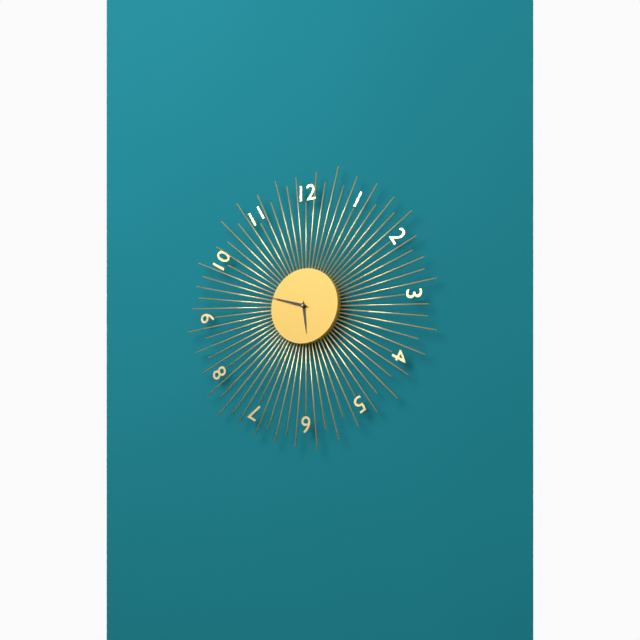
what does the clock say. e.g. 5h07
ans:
5h48
